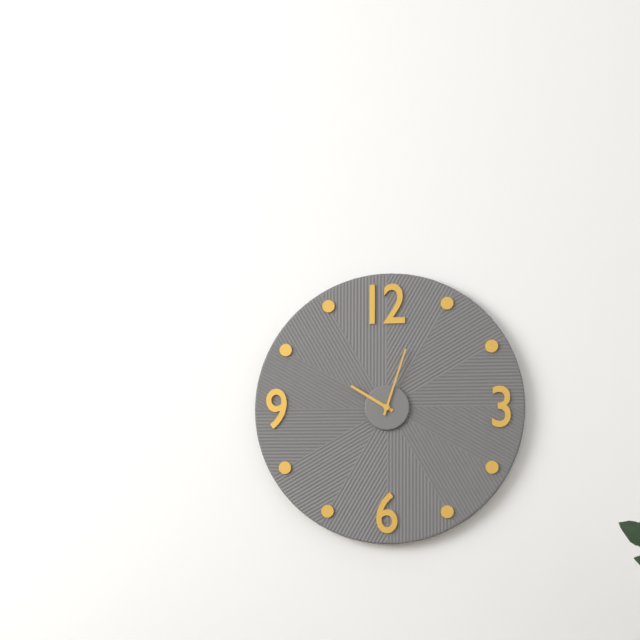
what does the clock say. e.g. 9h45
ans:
10h03
